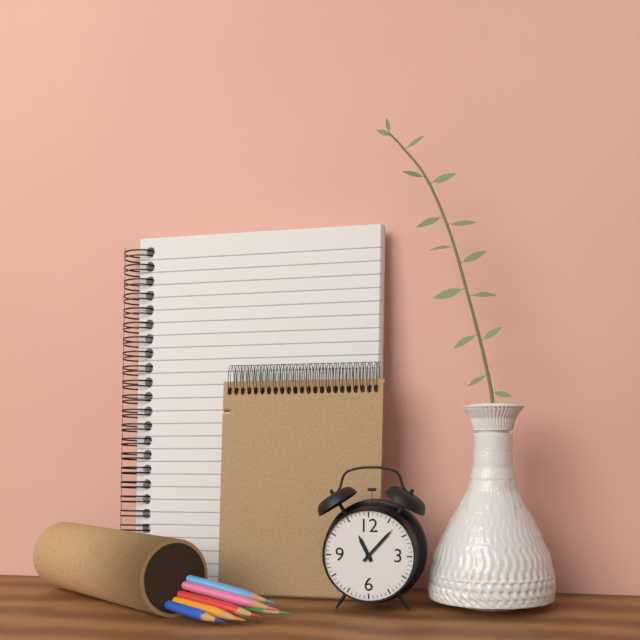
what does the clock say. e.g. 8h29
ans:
11h07
